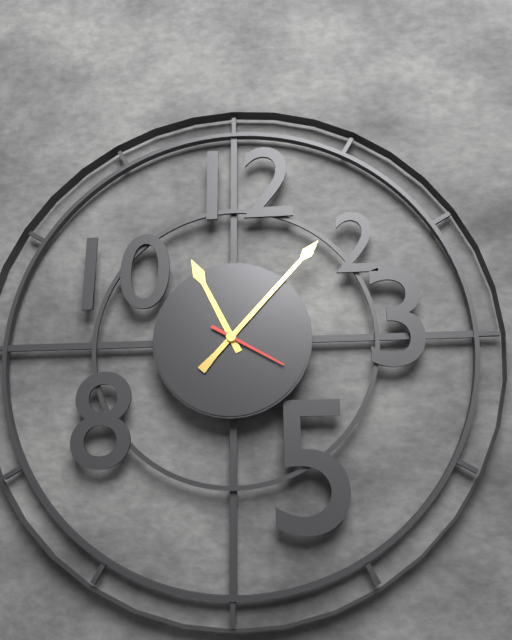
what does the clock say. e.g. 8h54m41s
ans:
11h07m20s
